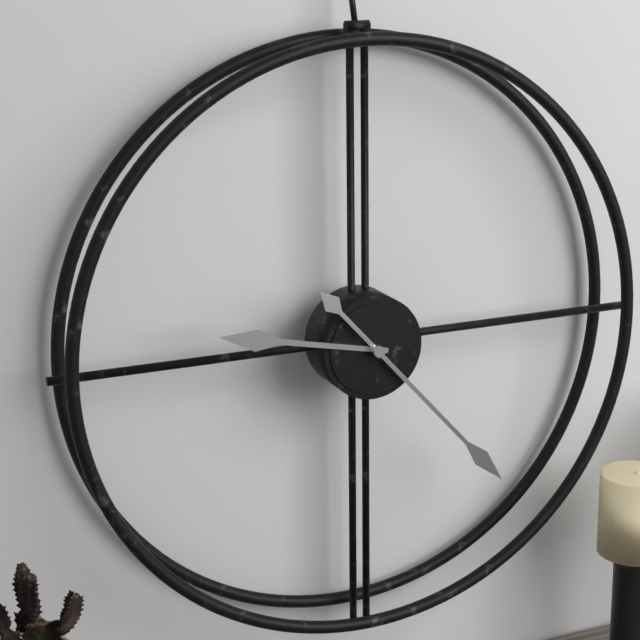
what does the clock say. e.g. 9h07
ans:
9h23
